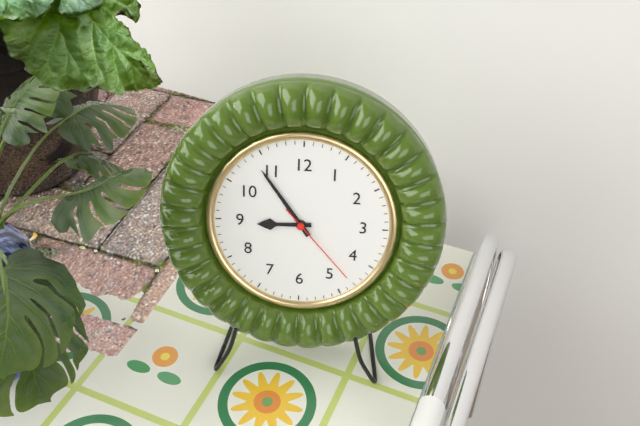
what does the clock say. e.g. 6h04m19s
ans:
8h54m23s
